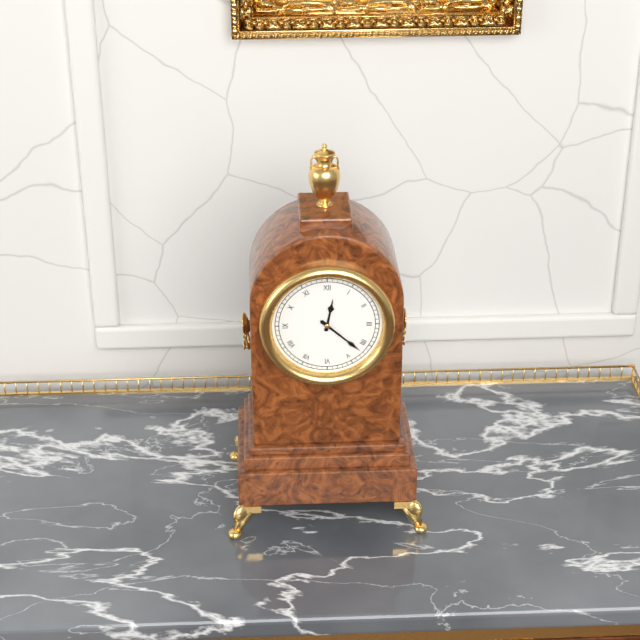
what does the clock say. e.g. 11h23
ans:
12h22
